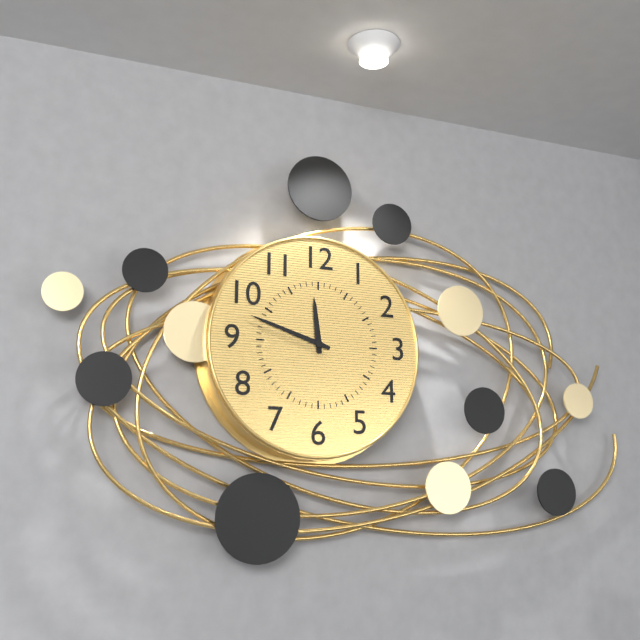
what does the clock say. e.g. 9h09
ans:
11h48
